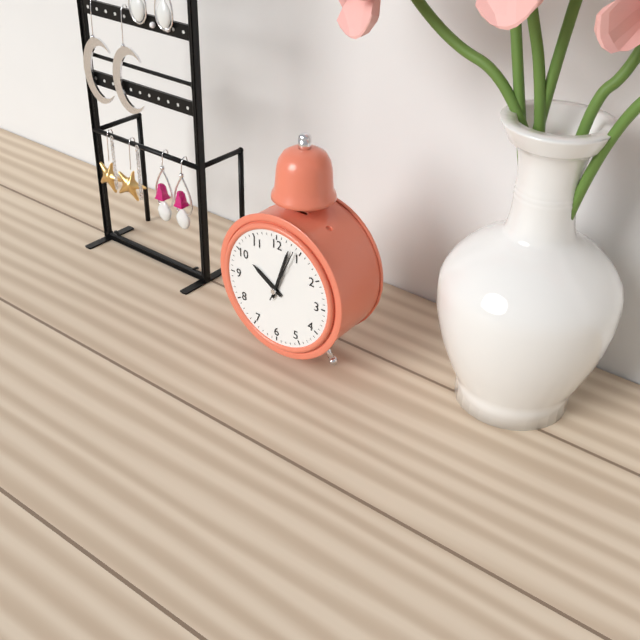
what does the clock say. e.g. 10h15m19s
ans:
10h03m04s
